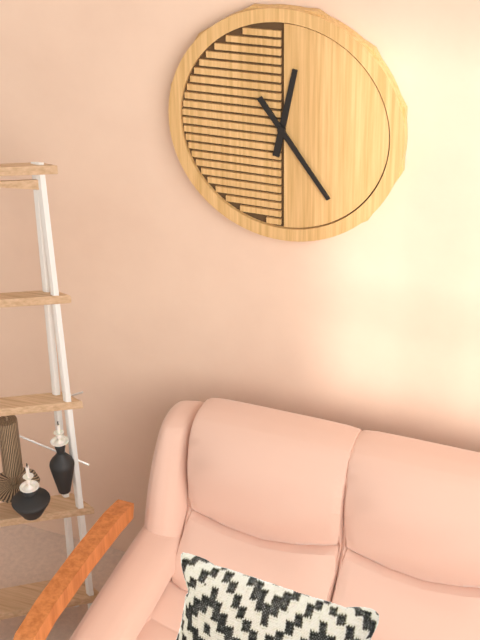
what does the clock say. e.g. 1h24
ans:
12h24
